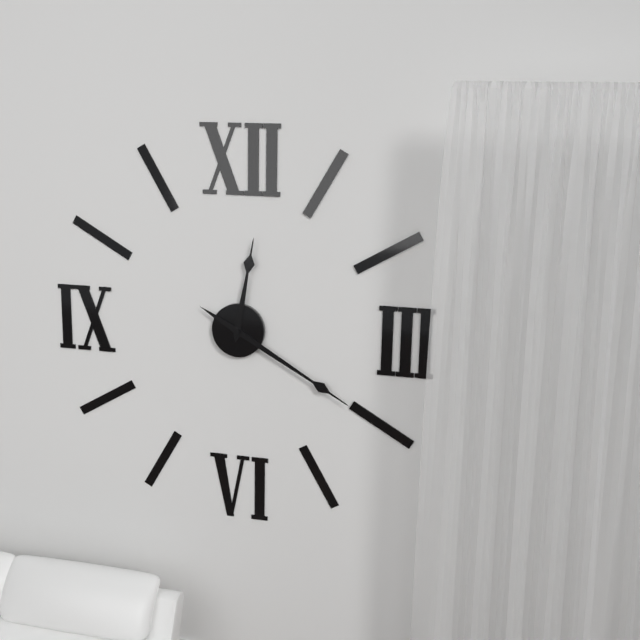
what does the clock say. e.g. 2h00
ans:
12h20
